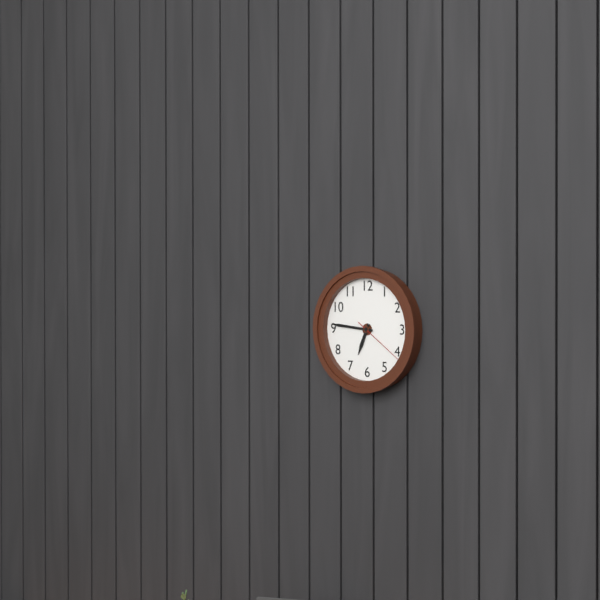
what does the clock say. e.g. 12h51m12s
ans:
6h46m21s
